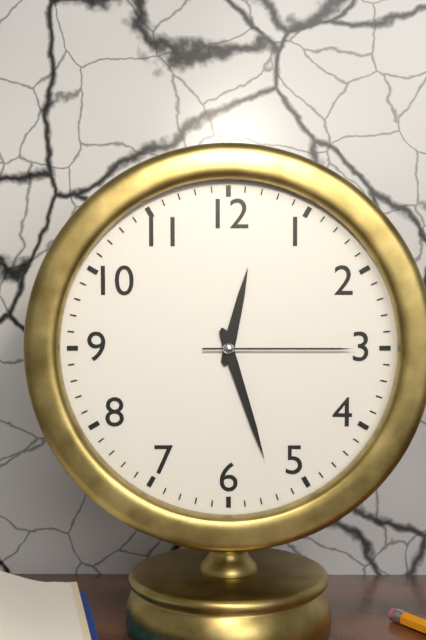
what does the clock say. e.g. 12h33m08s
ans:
12h27m15s
